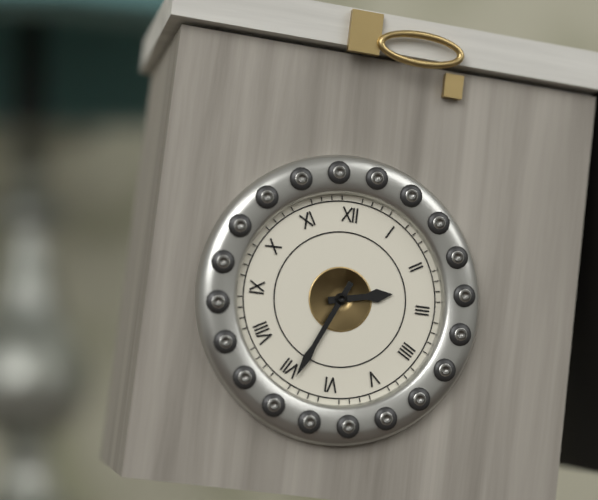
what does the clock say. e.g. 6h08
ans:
2h34
